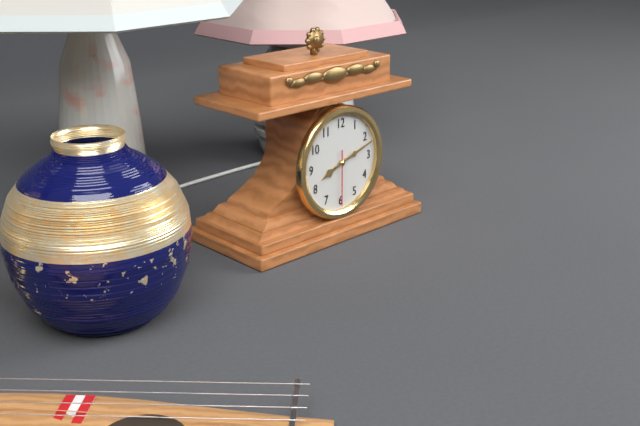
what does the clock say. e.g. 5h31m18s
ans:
8h12m30s
